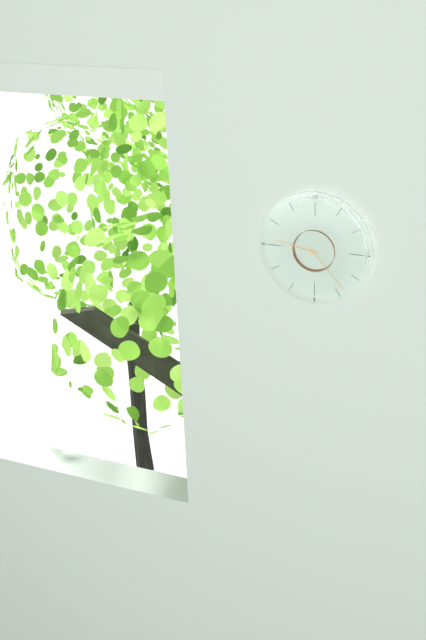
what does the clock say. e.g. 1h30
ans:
9h23
